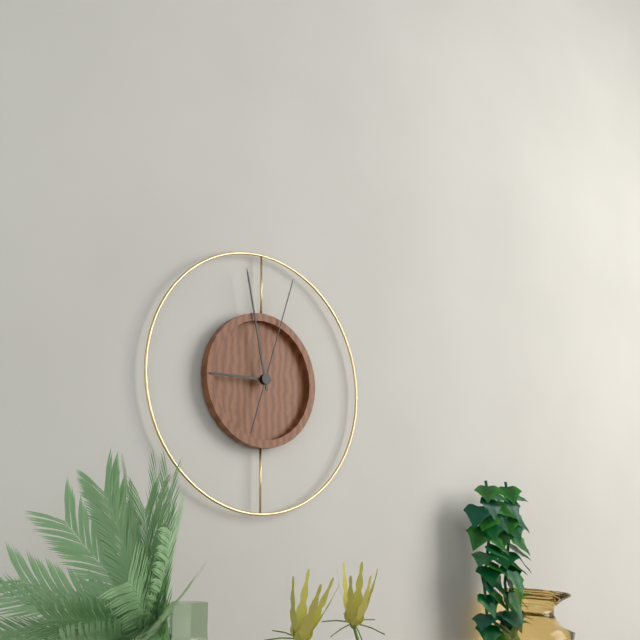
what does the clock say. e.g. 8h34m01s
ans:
8h58m03s
